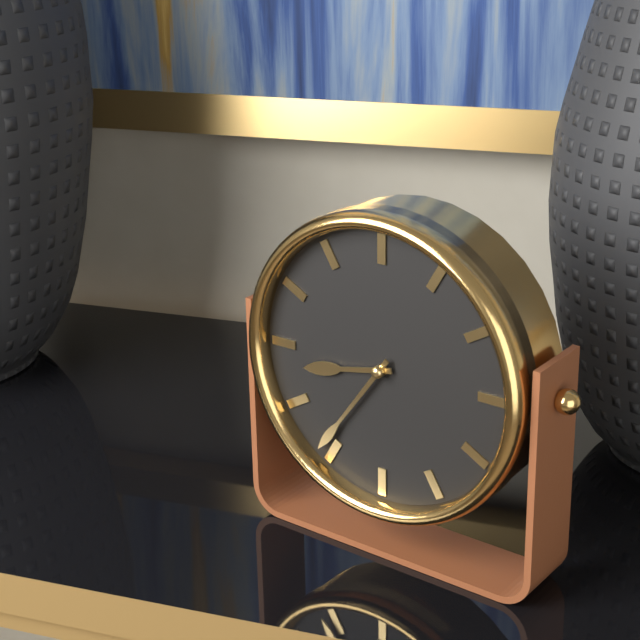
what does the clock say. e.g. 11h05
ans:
8h36
